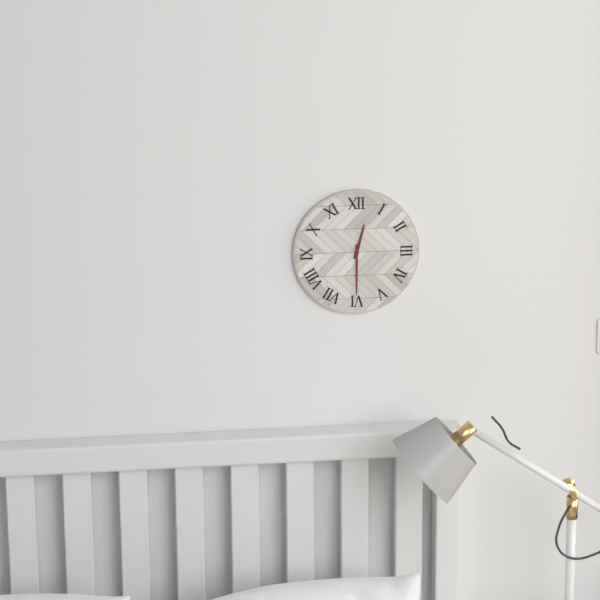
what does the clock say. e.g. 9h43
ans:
12h30
